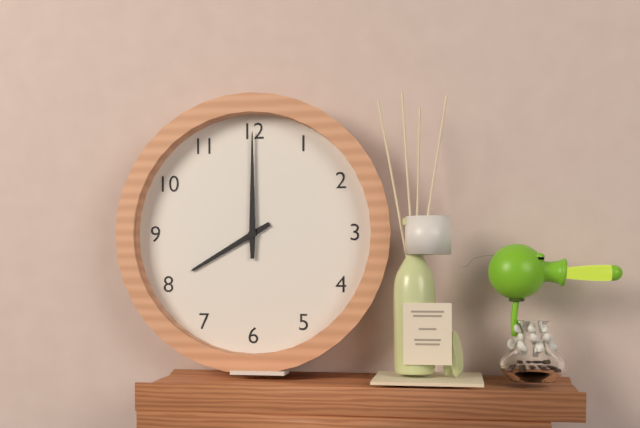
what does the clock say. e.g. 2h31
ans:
8h00
